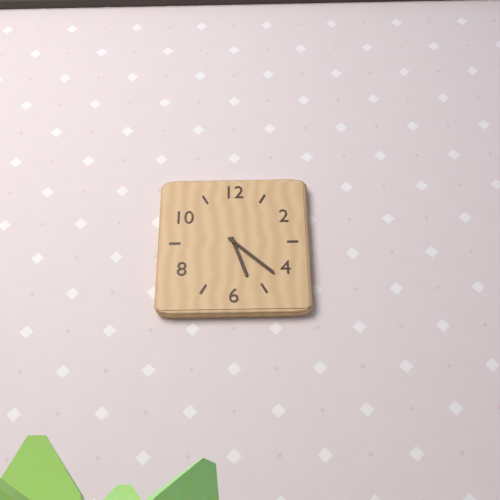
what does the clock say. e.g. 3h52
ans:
5h22
